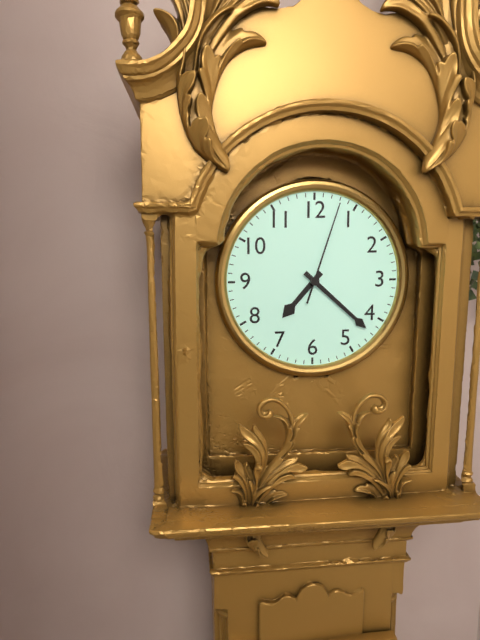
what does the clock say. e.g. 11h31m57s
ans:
7h22m03s
